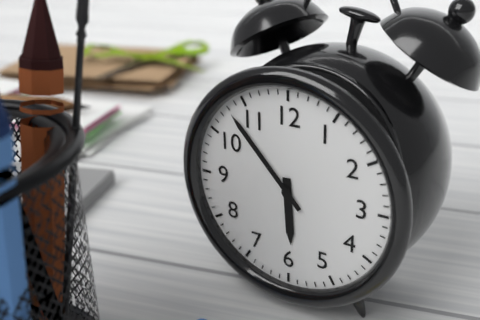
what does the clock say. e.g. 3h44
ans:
5h53
